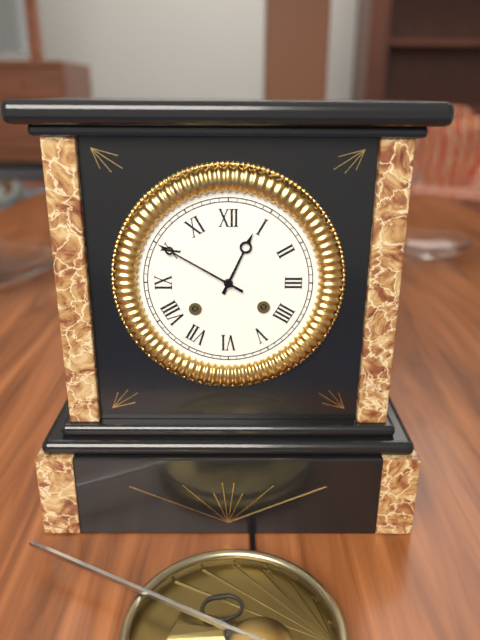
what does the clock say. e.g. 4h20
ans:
12h50
